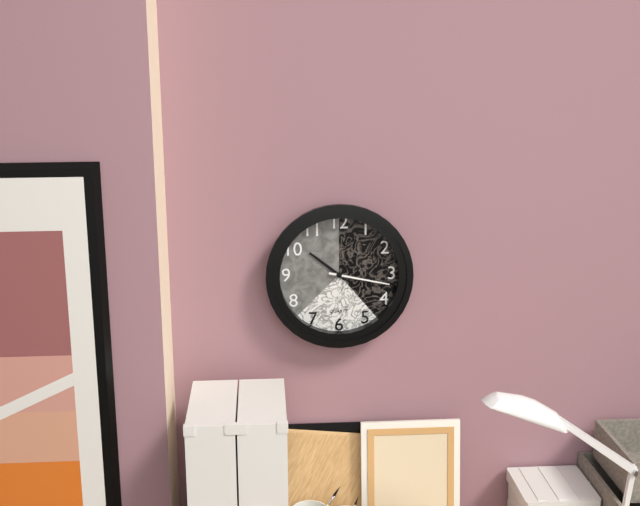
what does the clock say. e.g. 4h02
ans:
10h17
